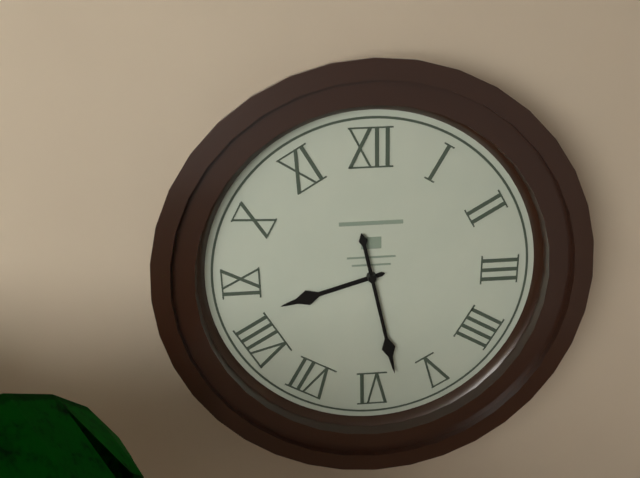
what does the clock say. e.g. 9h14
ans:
8h28
